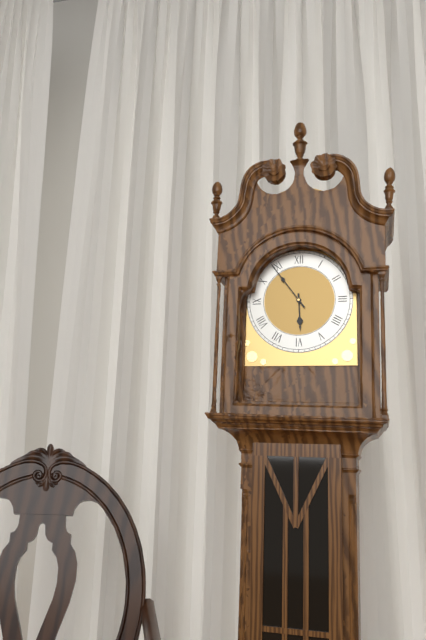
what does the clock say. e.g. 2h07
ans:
5h54
